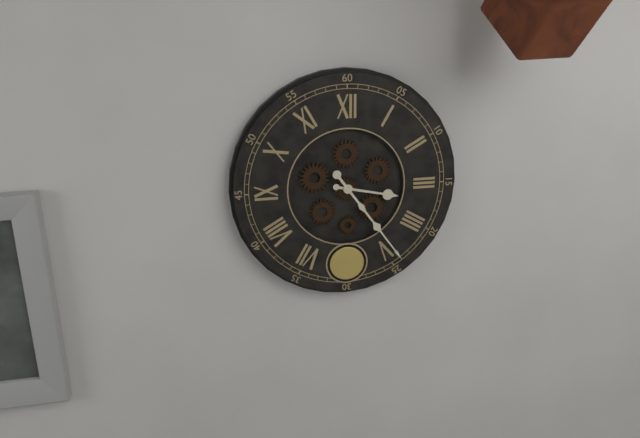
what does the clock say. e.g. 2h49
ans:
3h24
